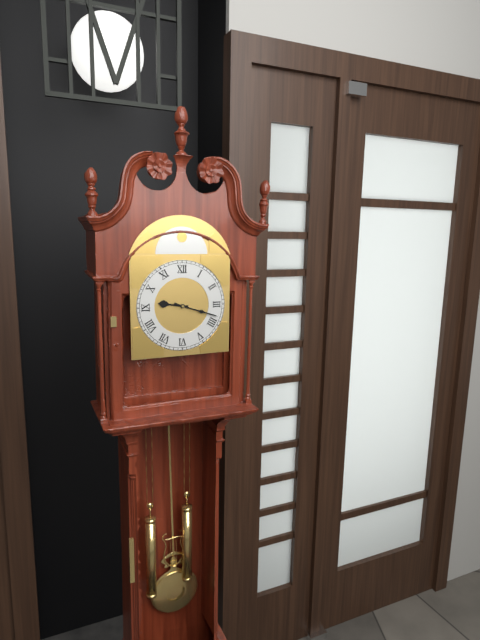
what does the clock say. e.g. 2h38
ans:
9h18
